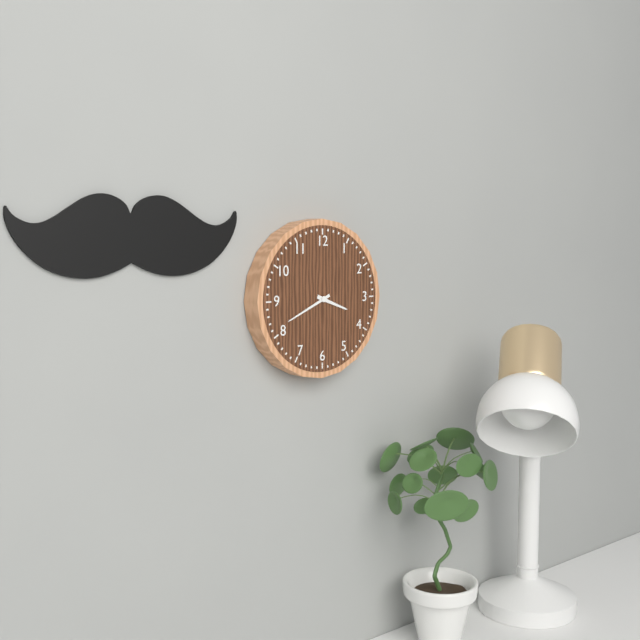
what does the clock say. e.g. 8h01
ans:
3h41
